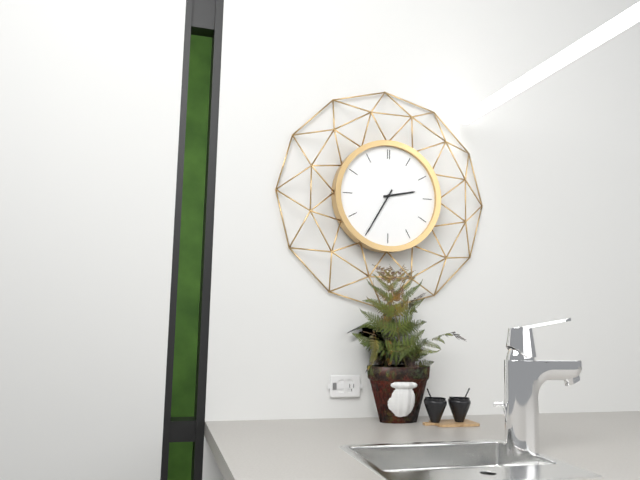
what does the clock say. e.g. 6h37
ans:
2h35
